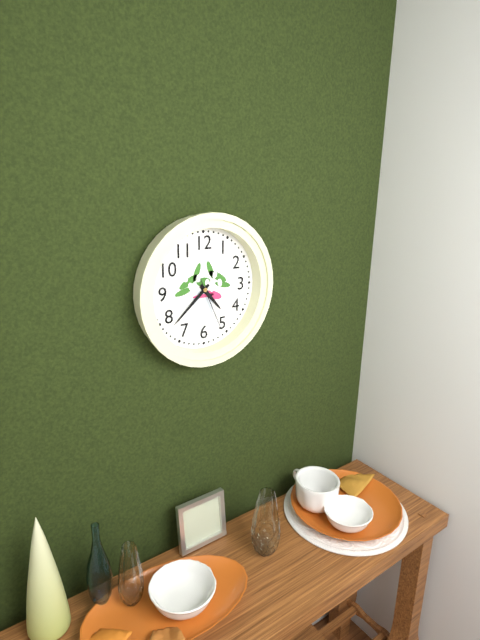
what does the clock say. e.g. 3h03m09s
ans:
4h38m26s
